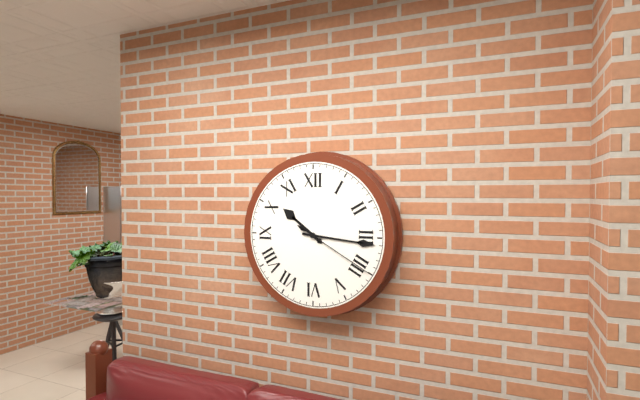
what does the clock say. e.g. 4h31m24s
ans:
10h16m20s
